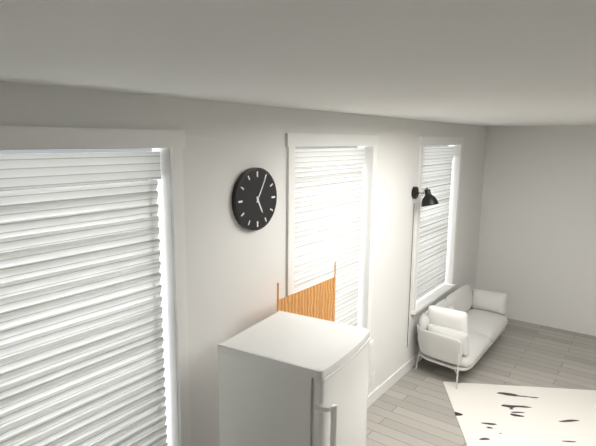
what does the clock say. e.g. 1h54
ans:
5h05
